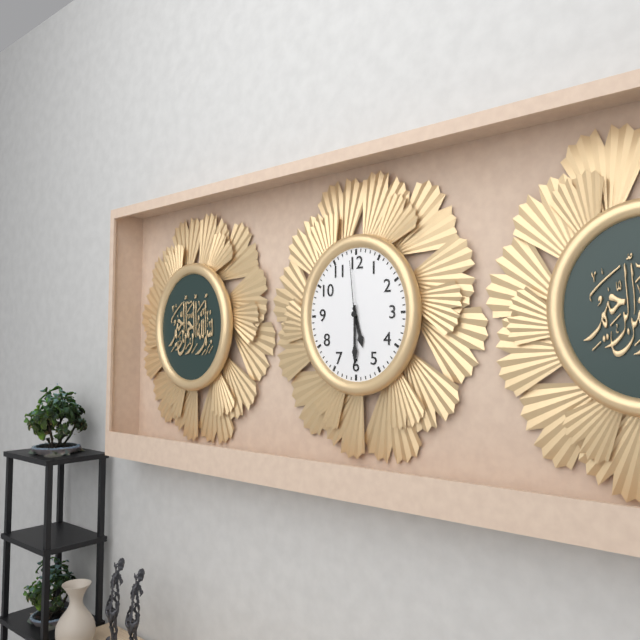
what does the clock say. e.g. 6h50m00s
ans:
5h30m59s
